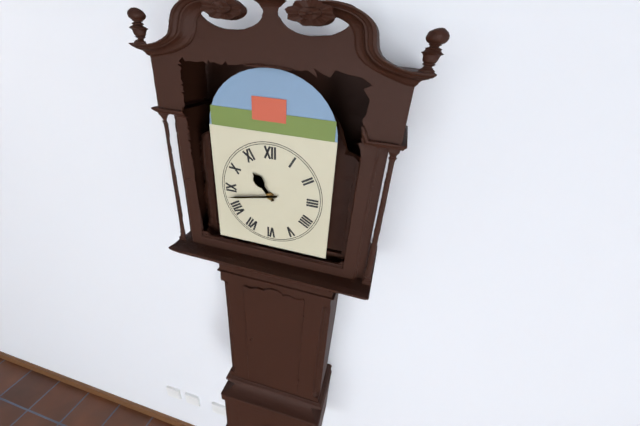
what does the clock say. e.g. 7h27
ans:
10h43
